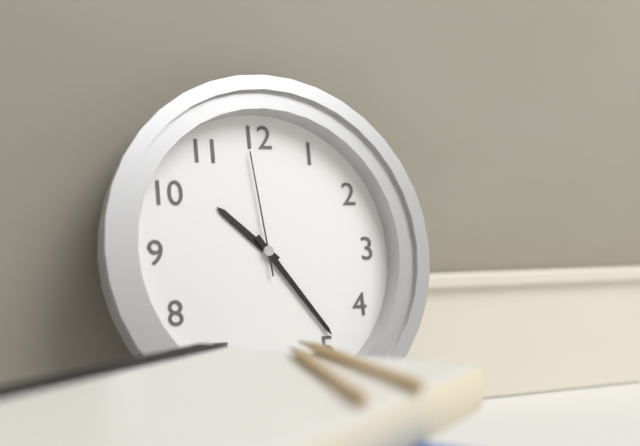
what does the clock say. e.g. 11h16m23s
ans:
10h24m59s
